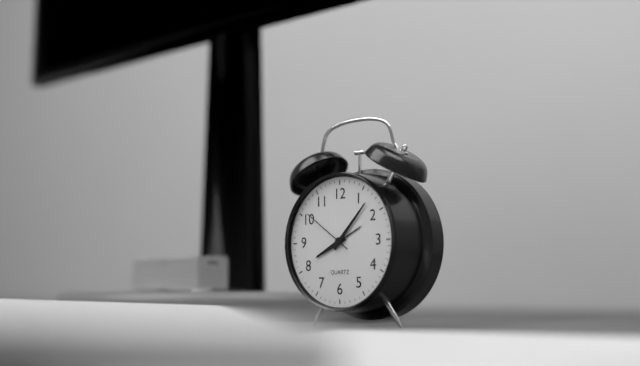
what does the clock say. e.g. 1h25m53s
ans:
8h07m51s
